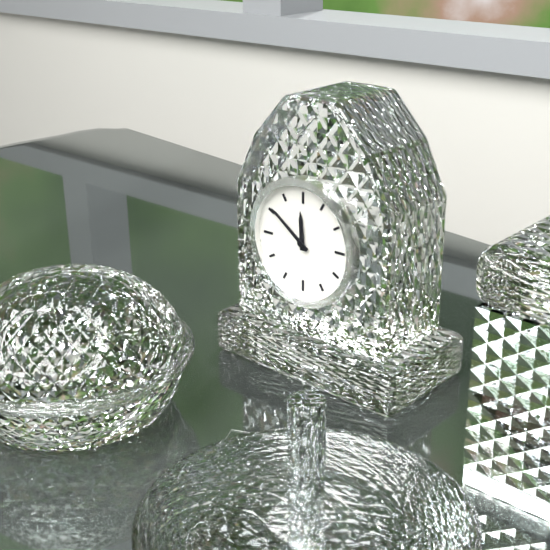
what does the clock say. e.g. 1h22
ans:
11h51
